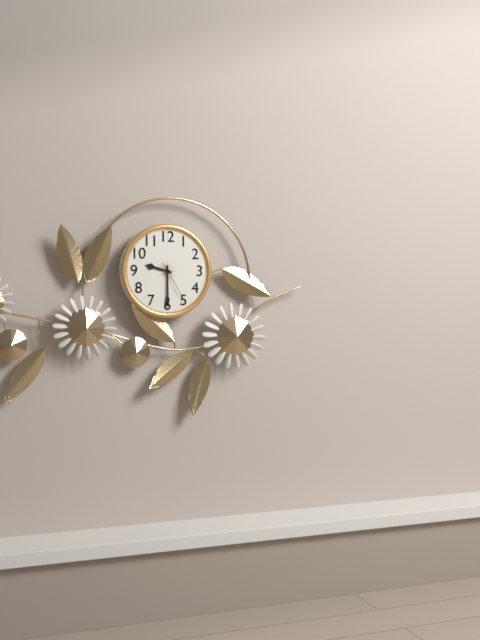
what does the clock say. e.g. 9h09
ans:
9h30
